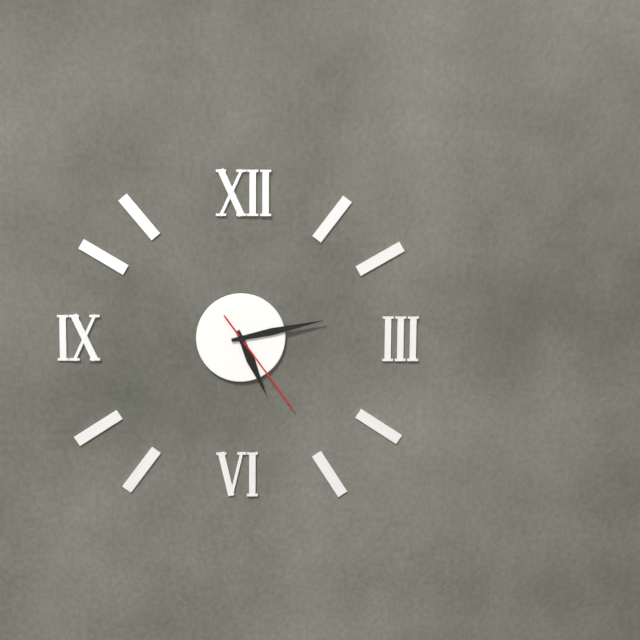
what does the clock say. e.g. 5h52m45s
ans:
5h13m24s
